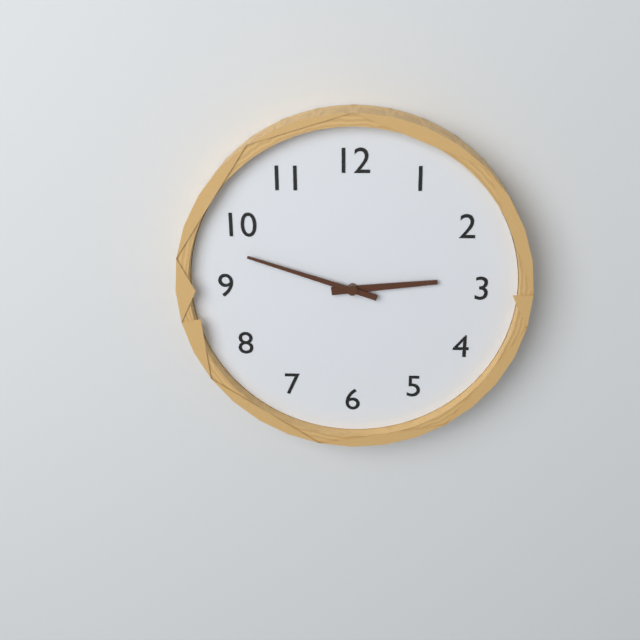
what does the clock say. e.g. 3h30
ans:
2h48
